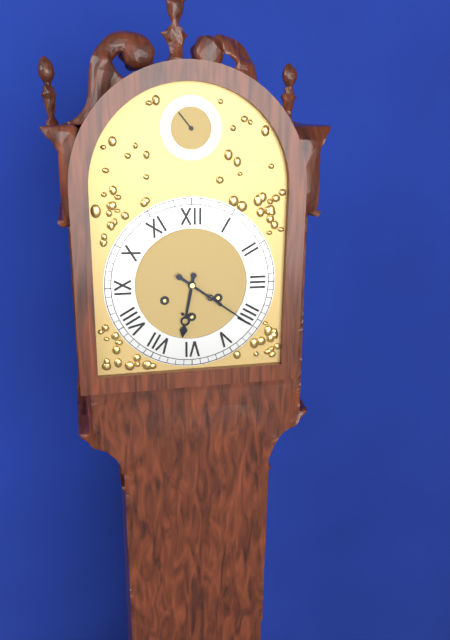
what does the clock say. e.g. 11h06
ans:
6h21
